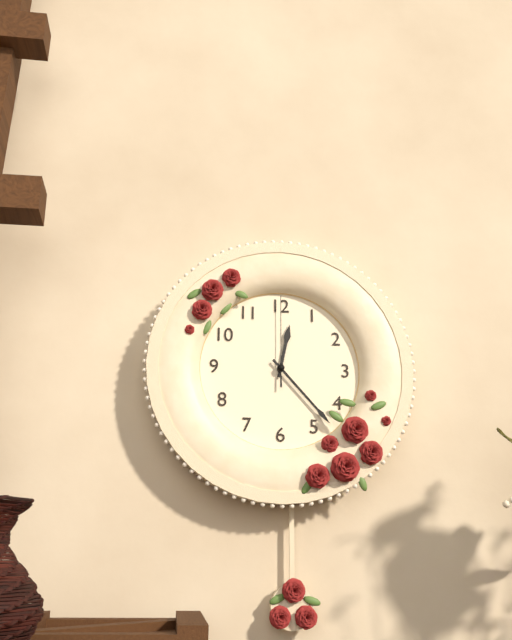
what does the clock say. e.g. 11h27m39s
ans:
12h23m00s
